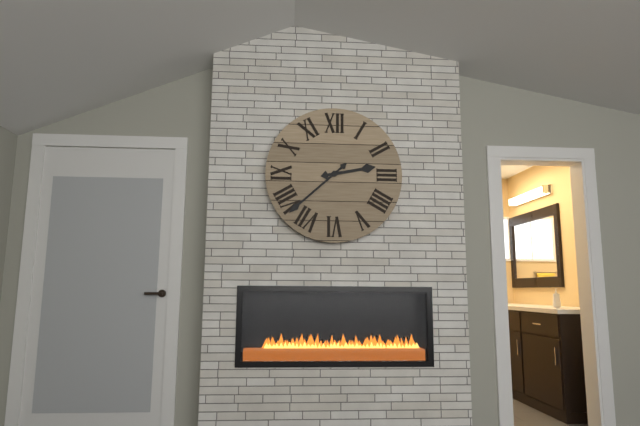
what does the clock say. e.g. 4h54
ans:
2h38
